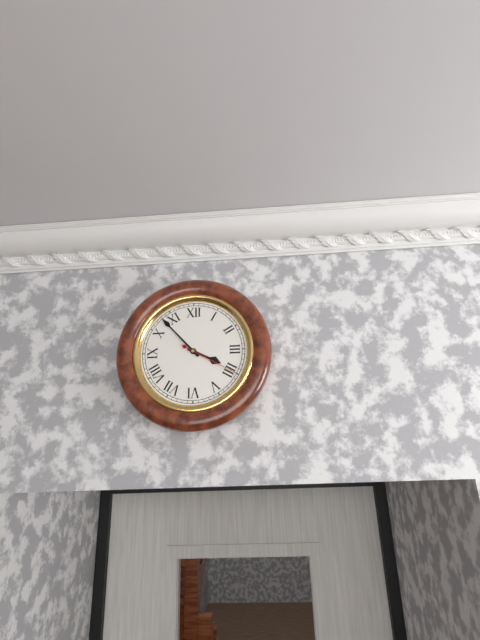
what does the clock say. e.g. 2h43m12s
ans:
3h53m20s
